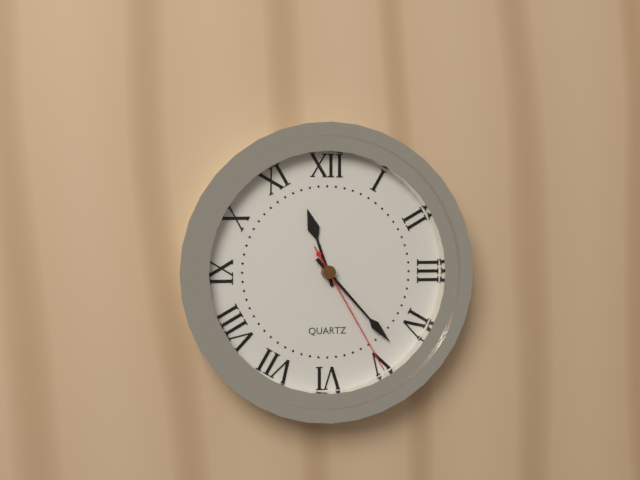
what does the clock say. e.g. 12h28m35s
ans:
11h23m25s
